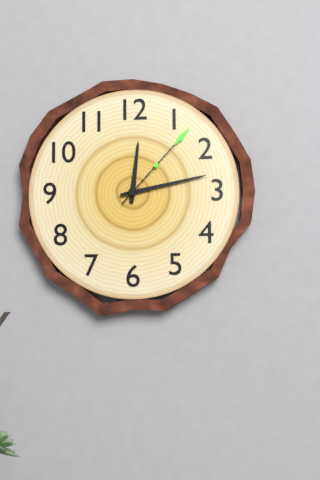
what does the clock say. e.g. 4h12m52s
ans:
12h13m07s
